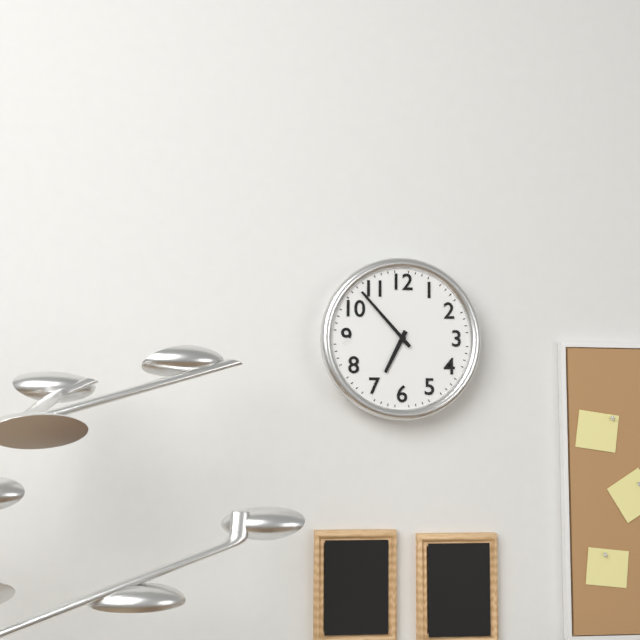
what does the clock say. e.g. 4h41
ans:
6h53
